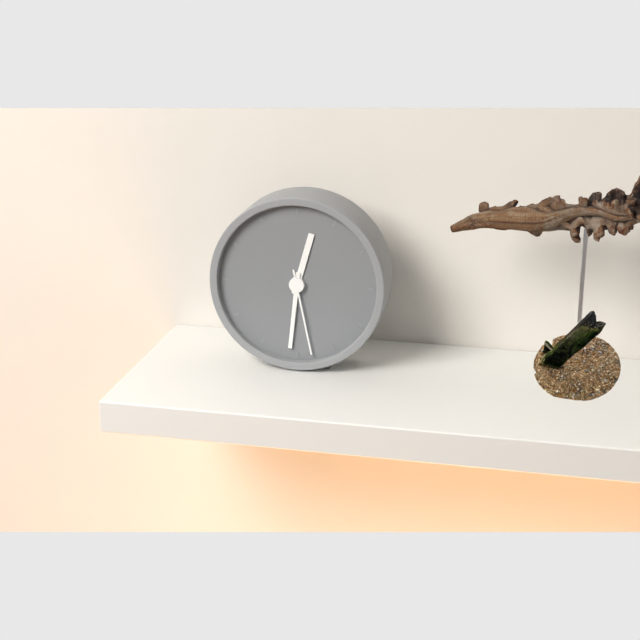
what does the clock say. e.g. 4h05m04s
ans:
12h31m28s
